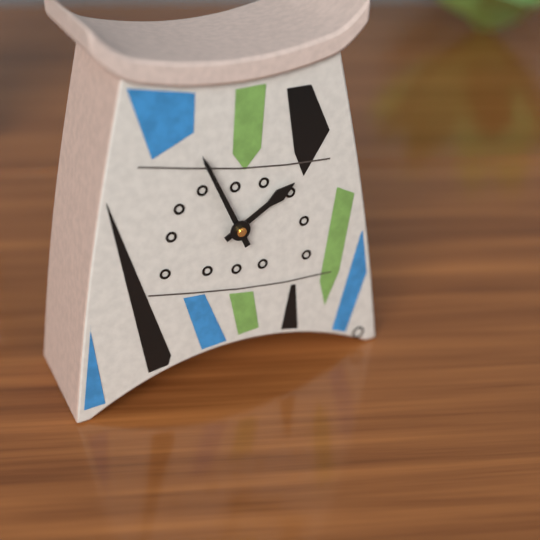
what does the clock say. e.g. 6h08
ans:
1h56
